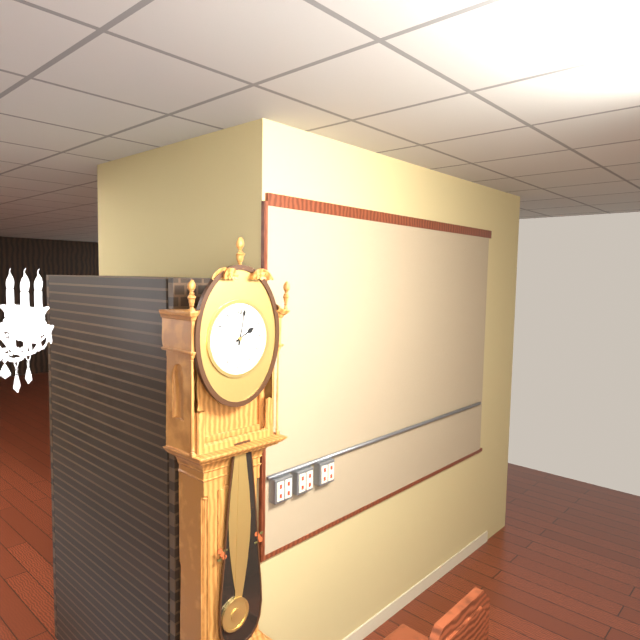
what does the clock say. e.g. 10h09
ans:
2h02
